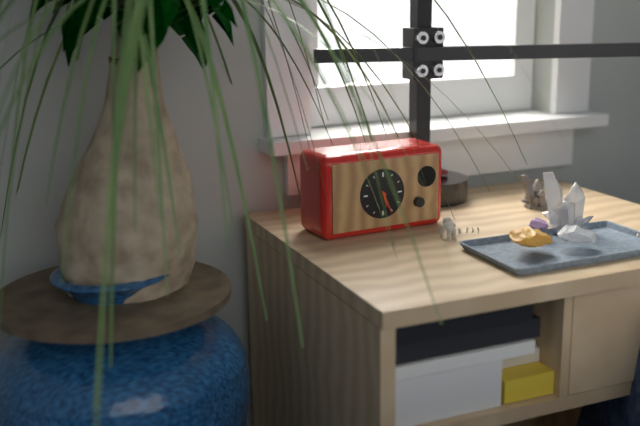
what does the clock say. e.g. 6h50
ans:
5h26
